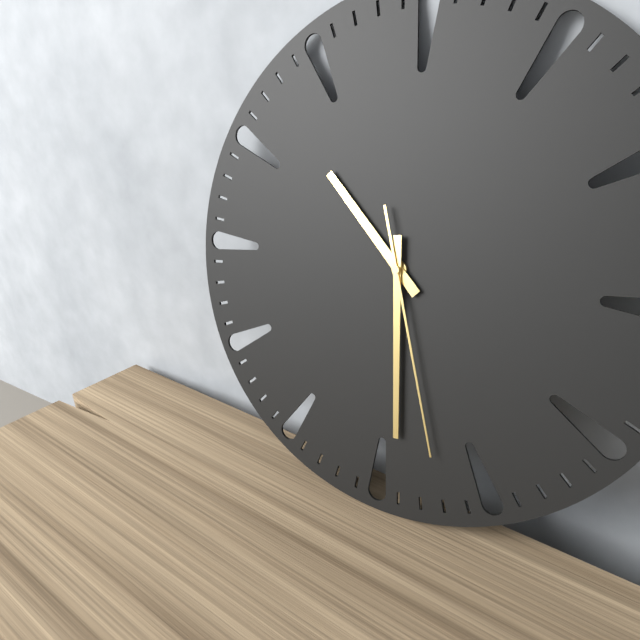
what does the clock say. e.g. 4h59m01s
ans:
10h29m27s
